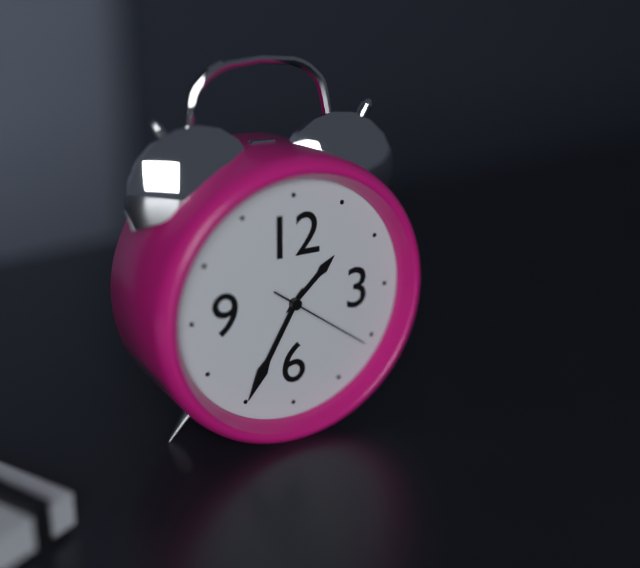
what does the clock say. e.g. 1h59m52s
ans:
1h35m21s
